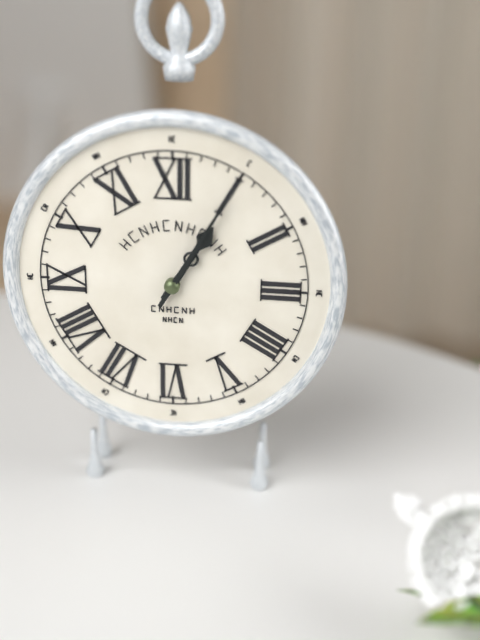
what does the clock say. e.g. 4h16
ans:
1h05
